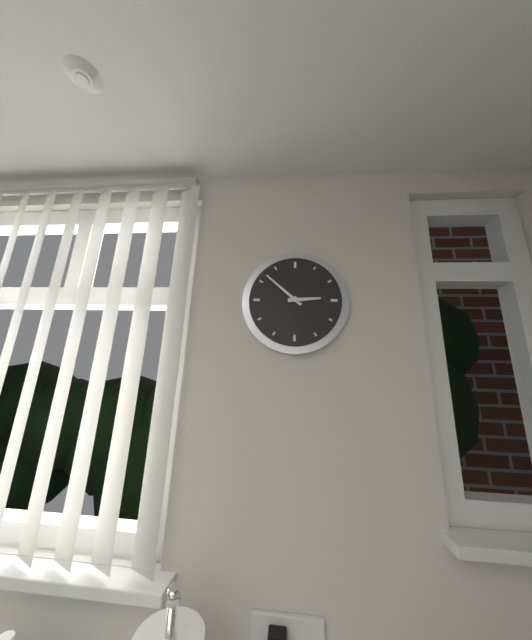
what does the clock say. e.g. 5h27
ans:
2h52
